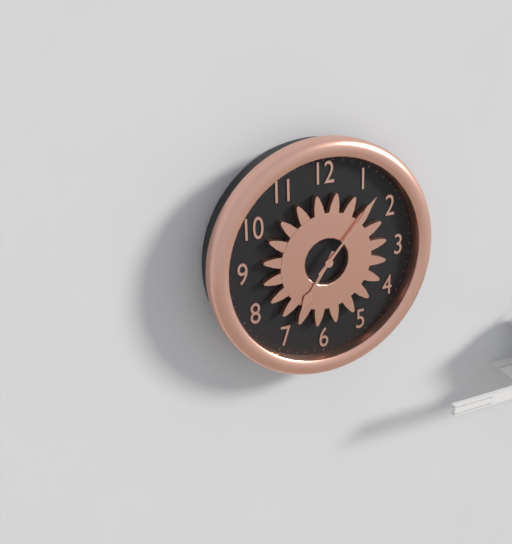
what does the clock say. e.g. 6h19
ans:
7h07
